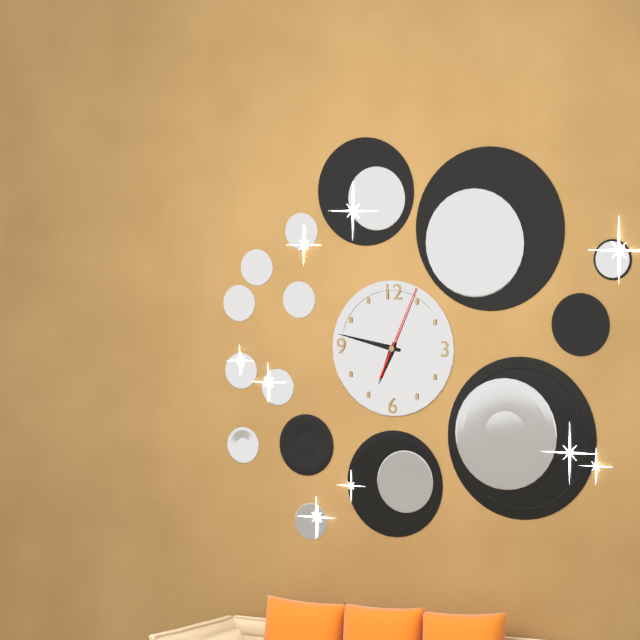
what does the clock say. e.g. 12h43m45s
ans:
6h47m04s
